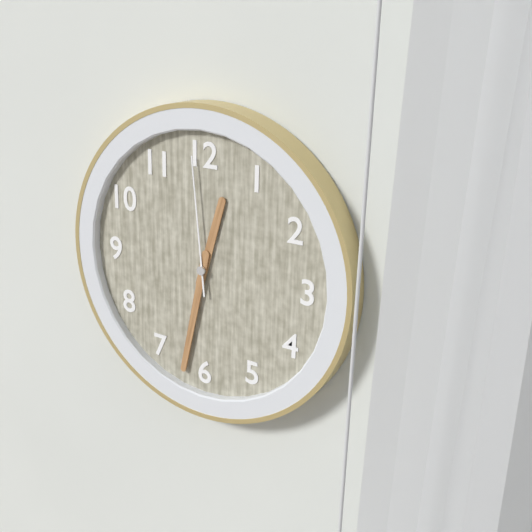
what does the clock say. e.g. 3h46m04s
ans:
12h32m59s
